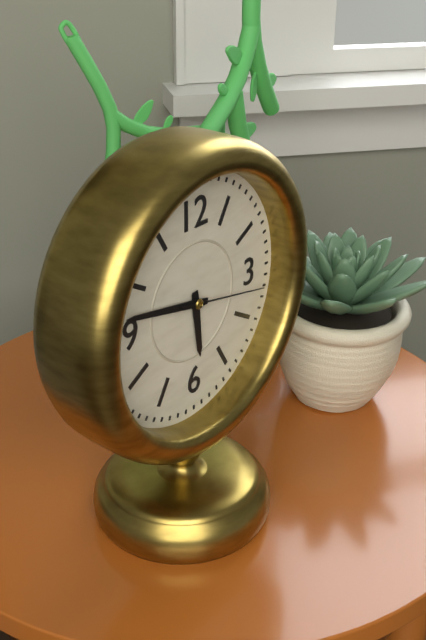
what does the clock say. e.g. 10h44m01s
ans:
5h47m17s
